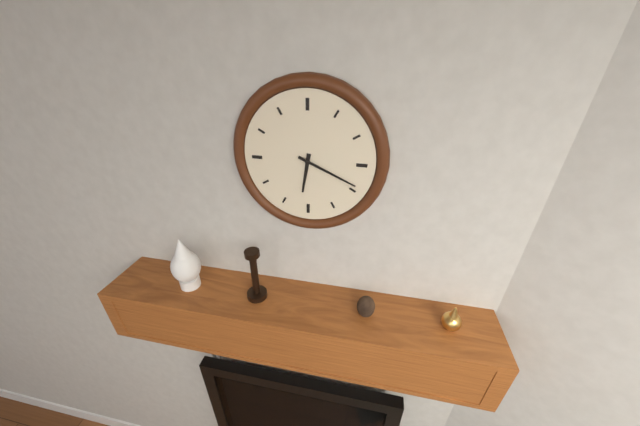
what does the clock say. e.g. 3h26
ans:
6h19
